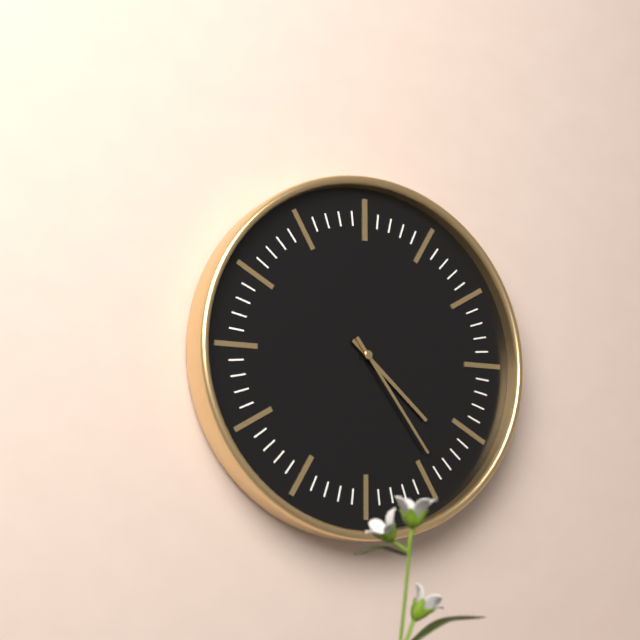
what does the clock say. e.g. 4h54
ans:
4h24
